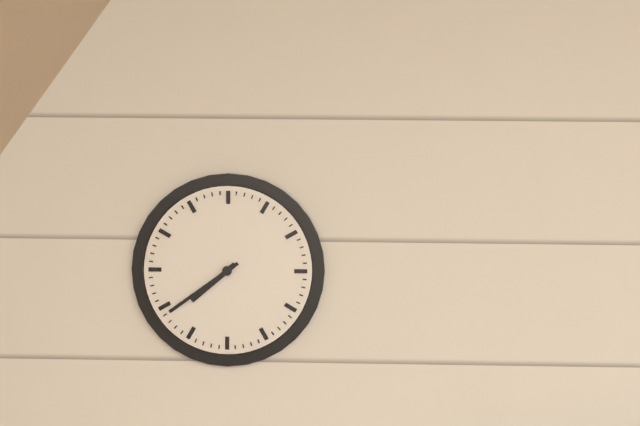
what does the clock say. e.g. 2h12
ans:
7h39
